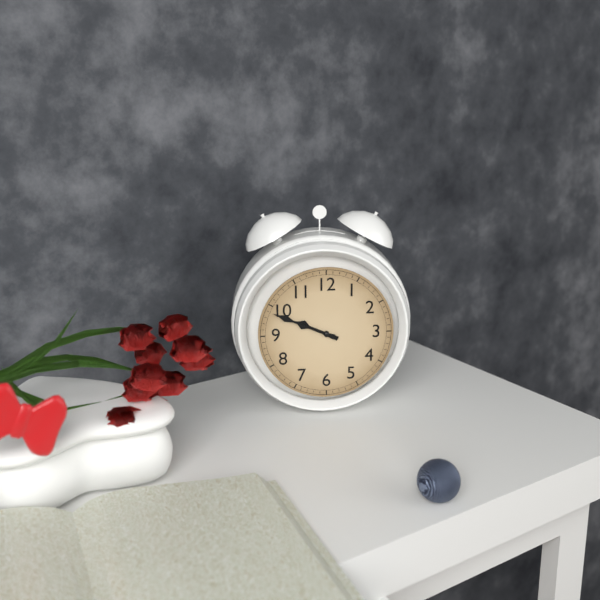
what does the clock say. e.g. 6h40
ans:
9h49
